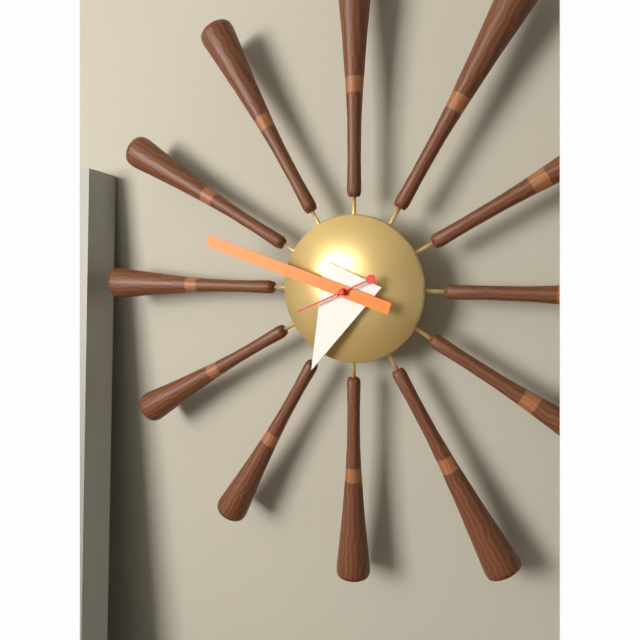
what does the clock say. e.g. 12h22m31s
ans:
6h48m41s
